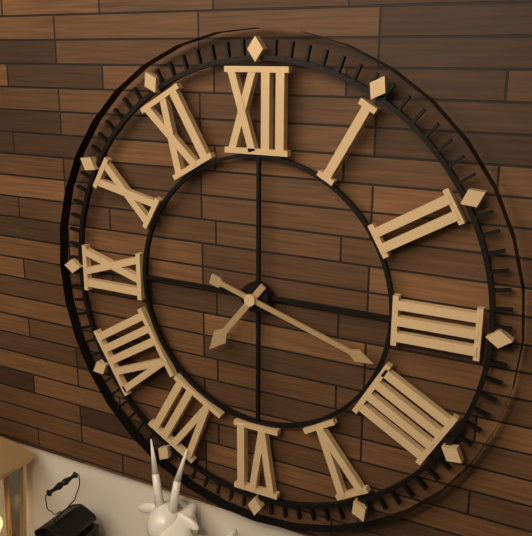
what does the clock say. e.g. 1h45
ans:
7h18
